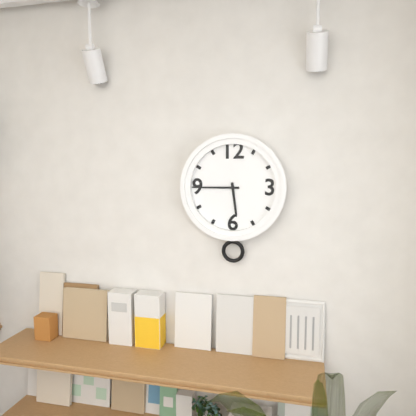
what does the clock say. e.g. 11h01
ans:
5h45
